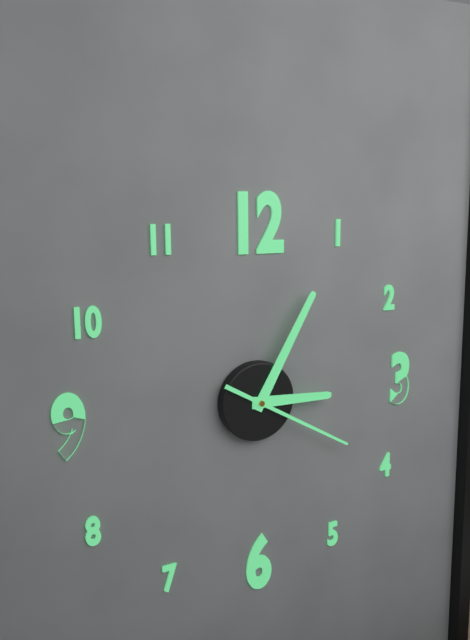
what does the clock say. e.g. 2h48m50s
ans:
3h05m20s
